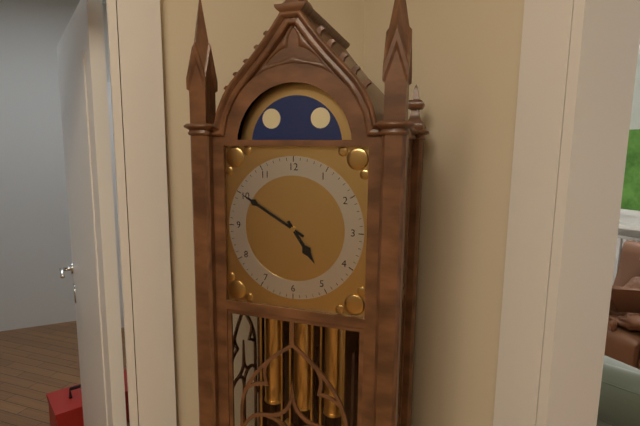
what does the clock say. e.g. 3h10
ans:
4h50
